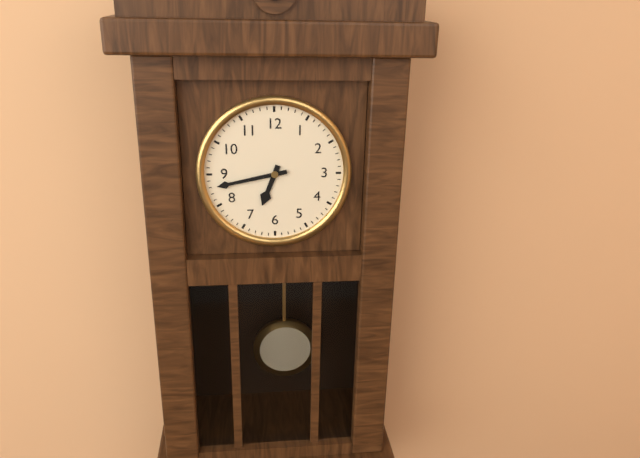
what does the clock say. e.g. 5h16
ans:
6h43
